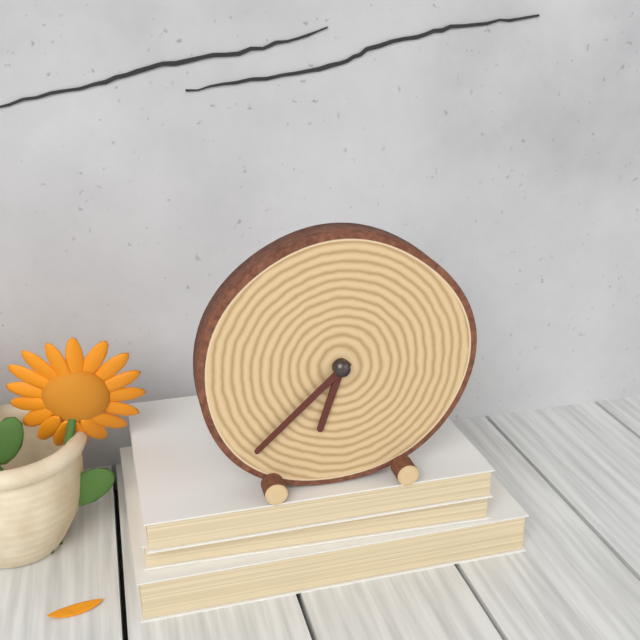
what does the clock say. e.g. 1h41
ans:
6h38
